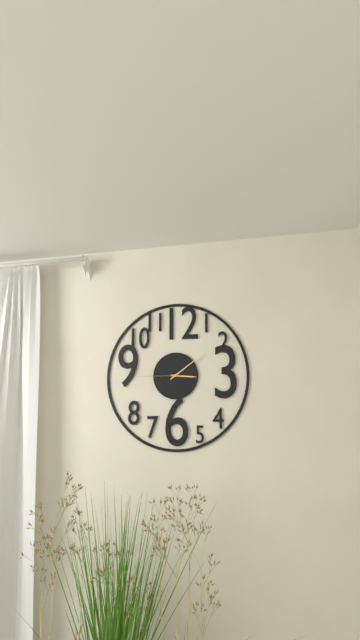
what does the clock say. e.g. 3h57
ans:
3h09
